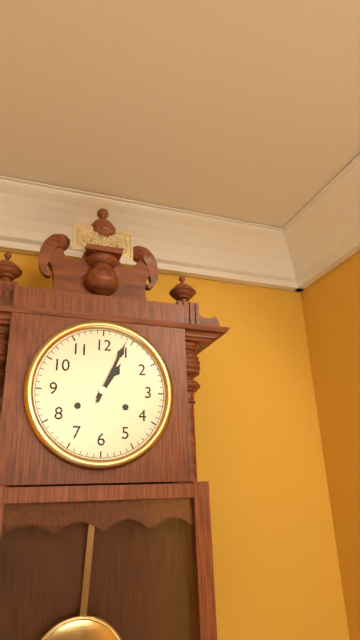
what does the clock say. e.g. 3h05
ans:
1h04
